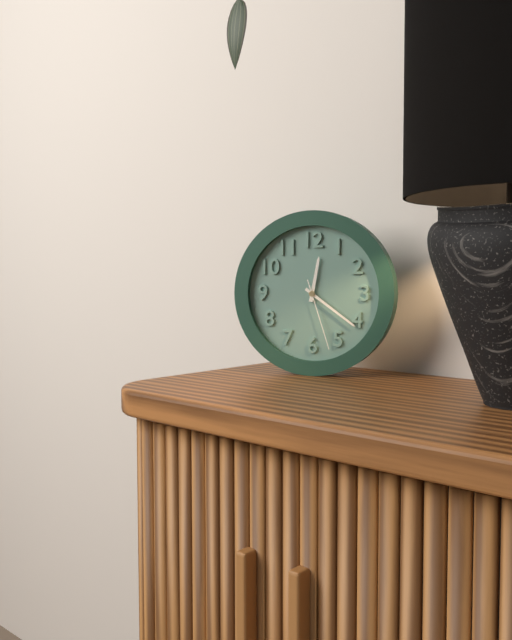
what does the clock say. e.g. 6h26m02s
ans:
12h21m27s
